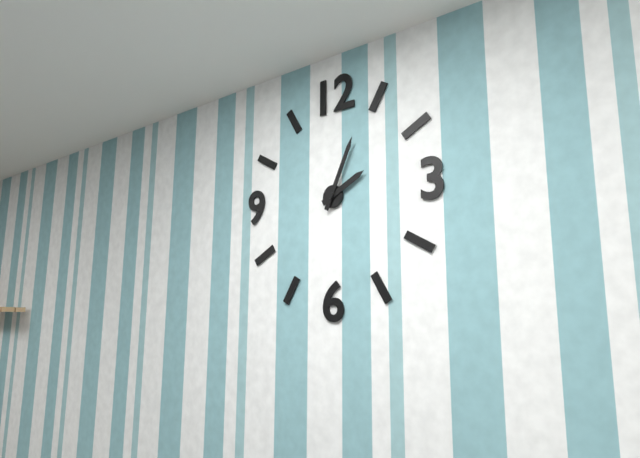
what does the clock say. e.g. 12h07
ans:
2h04
